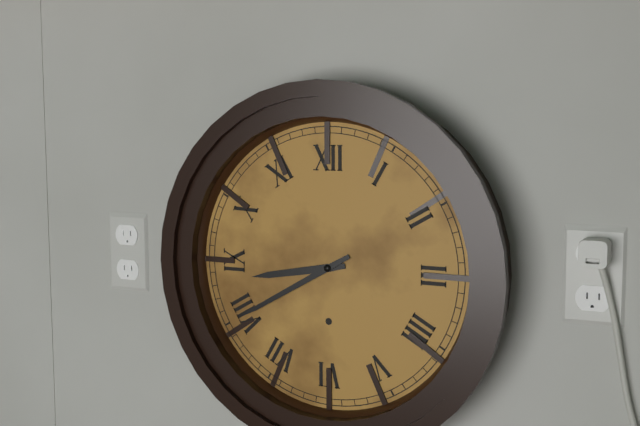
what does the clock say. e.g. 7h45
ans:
8h40
